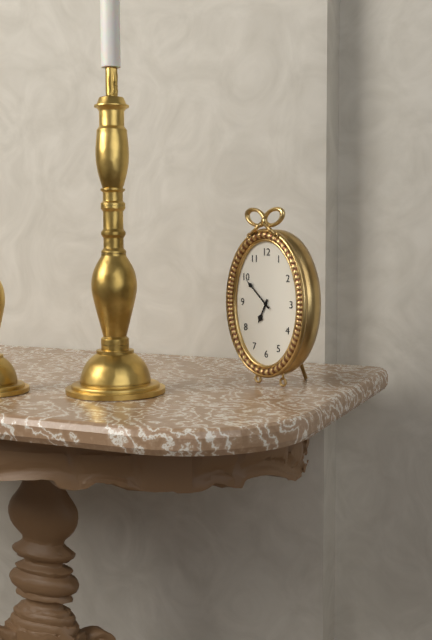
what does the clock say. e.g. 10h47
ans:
6h52
